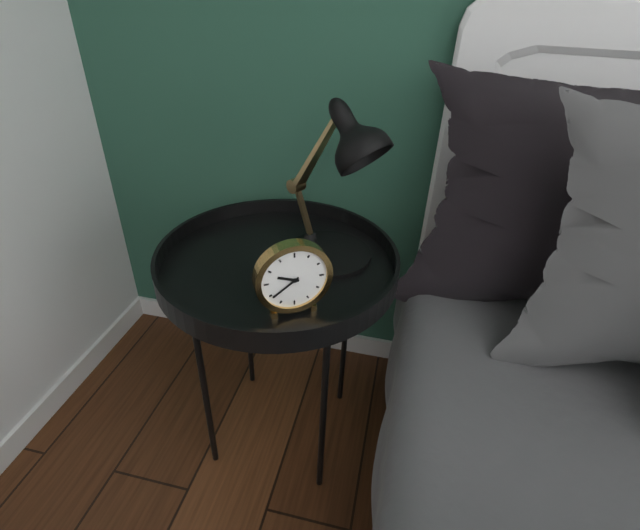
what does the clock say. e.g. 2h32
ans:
9h39
